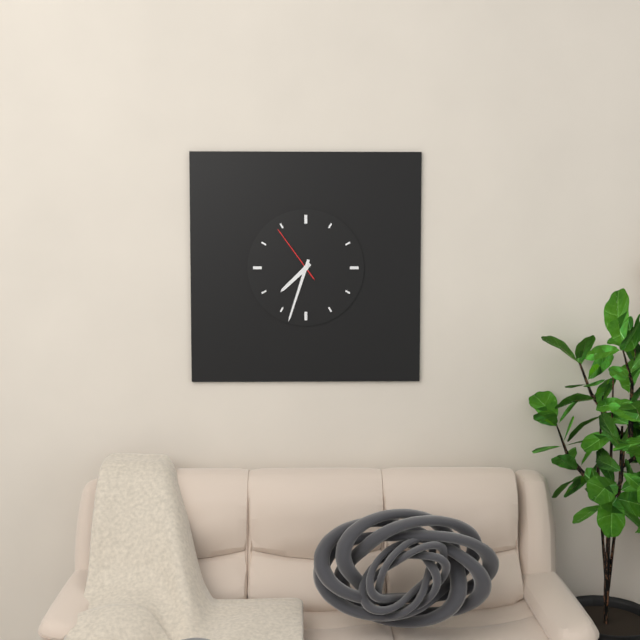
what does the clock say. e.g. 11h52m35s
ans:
7h33m54s
